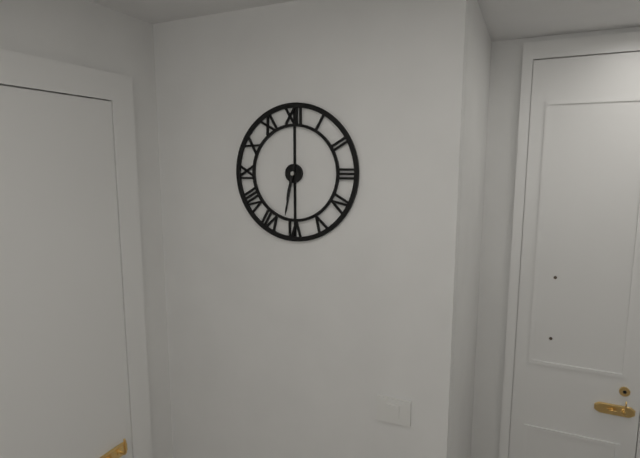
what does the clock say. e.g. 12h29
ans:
6h32
